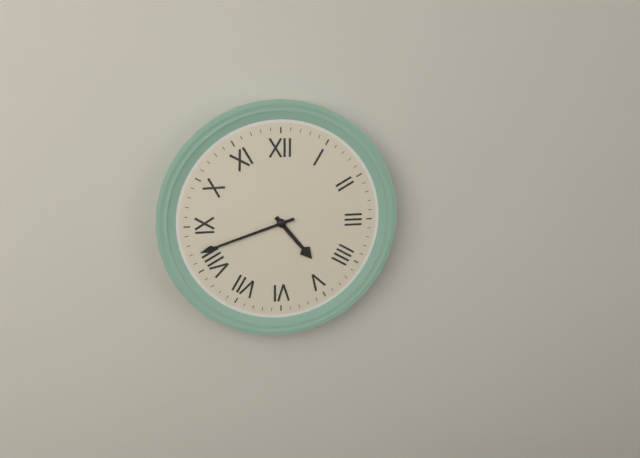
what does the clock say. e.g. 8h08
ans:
4h42
